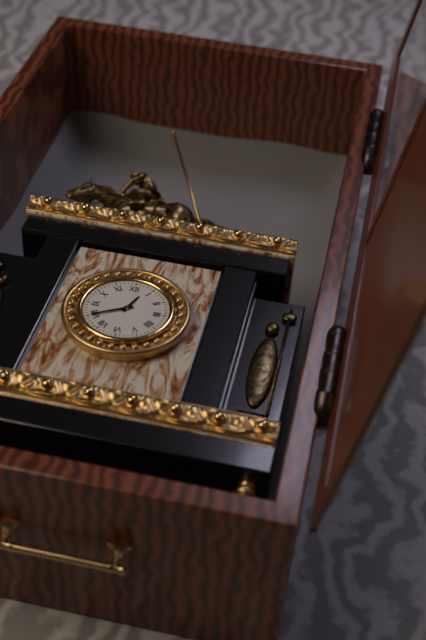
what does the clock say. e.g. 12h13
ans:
12h40
